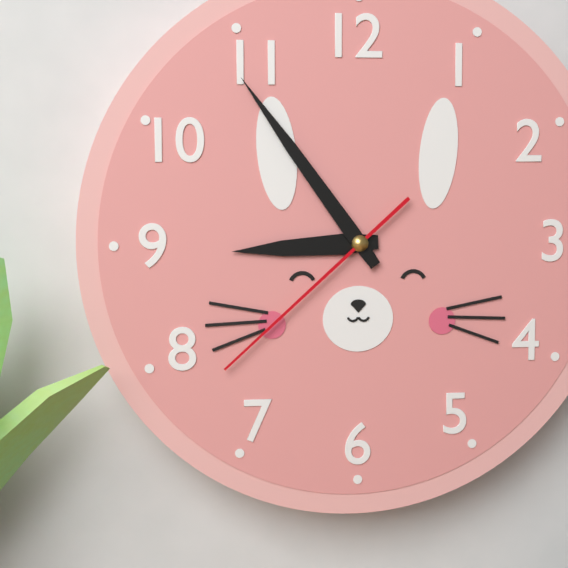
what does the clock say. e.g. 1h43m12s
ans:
8h54m38s
